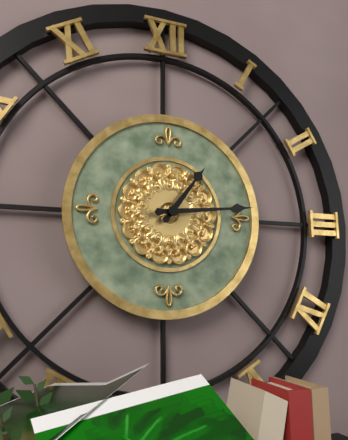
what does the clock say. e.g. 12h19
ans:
1h14
